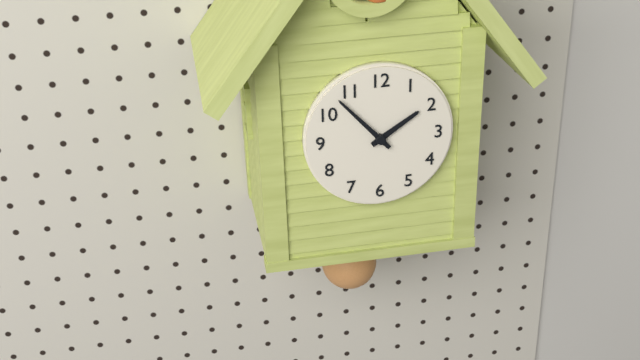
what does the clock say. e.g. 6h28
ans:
1h53
